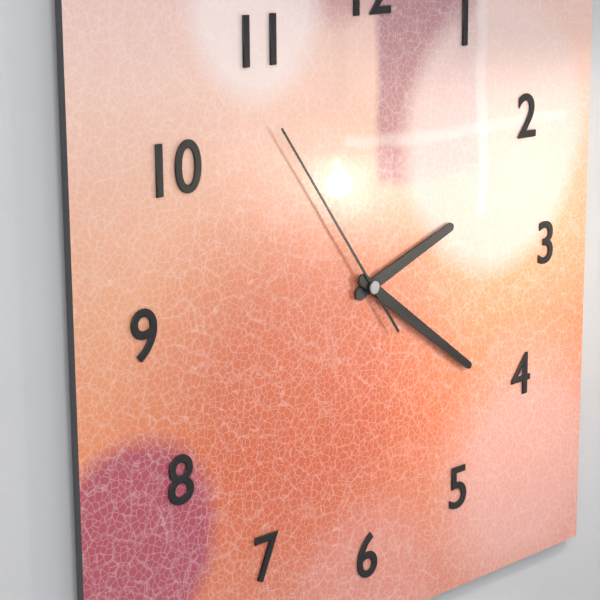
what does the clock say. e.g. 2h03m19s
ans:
2h21m54s
